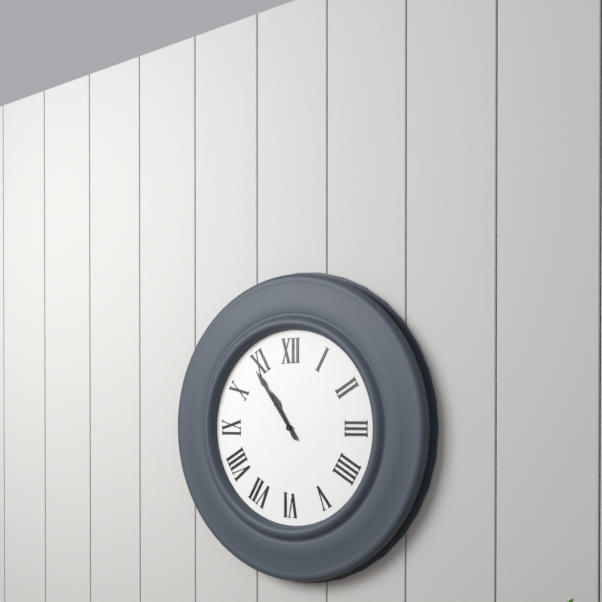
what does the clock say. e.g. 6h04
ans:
10h54
